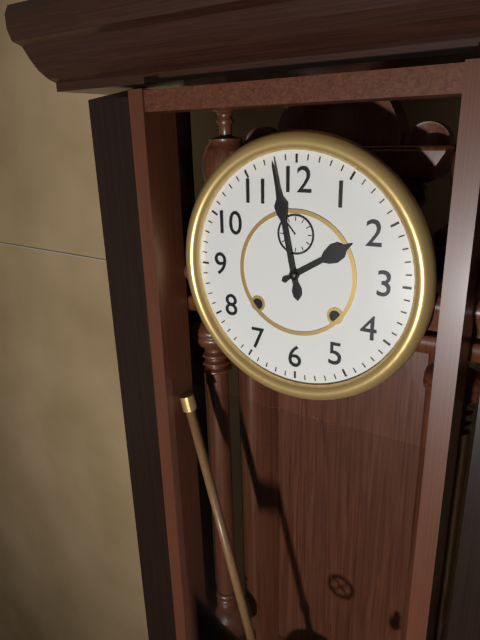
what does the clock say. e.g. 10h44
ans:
1h58
